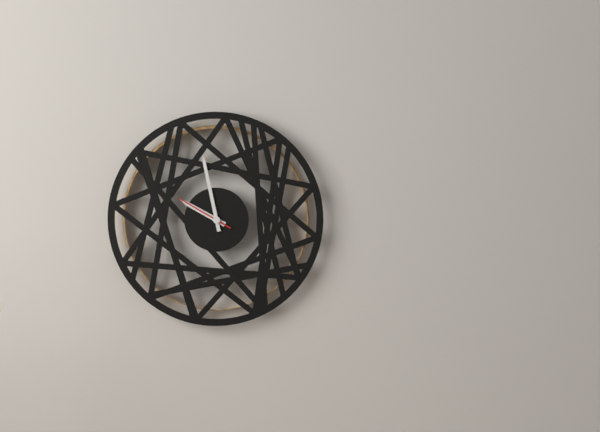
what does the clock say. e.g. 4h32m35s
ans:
9h58m50s
